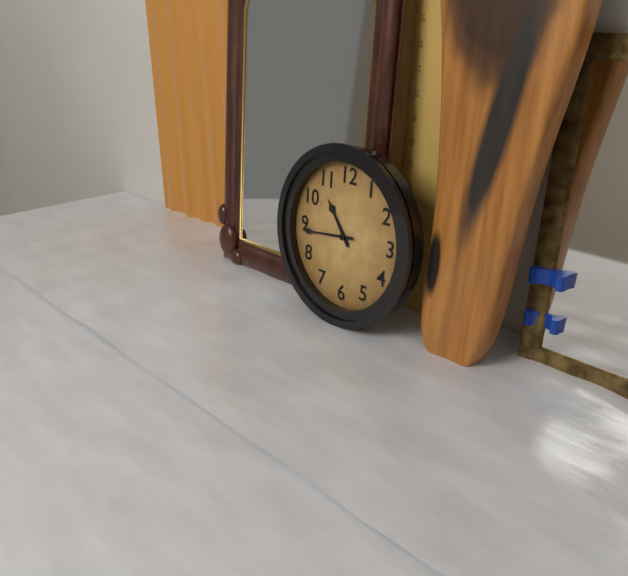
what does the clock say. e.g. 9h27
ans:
10h44
